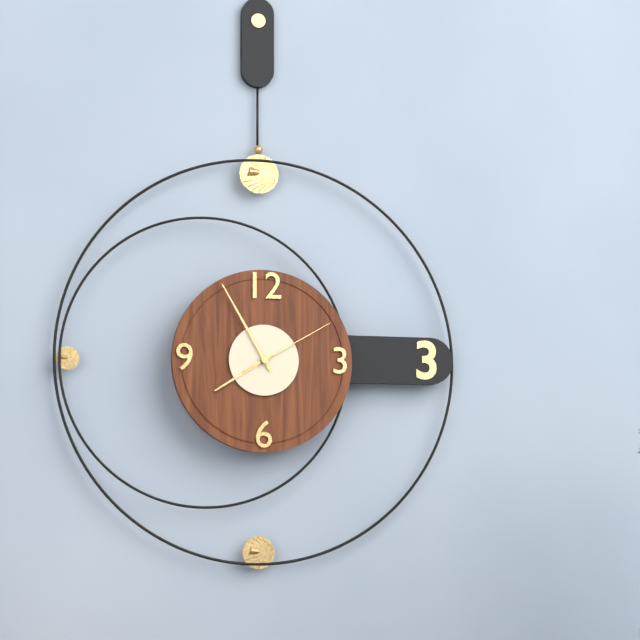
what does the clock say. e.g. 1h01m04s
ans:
7h55m10s
